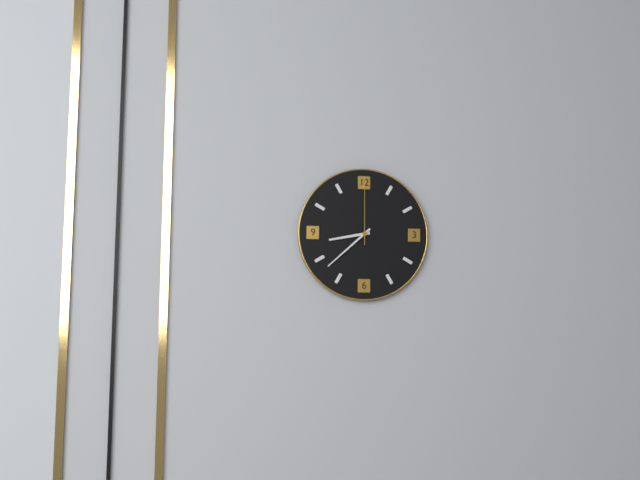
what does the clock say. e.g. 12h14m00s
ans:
8h38m00s
